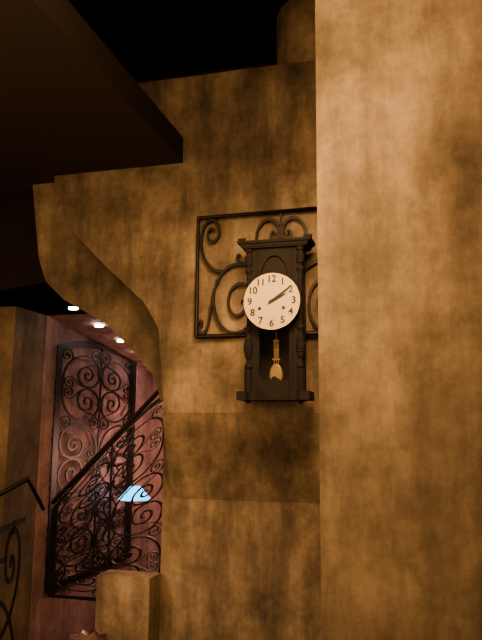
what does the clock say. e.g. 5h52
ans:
2h09
